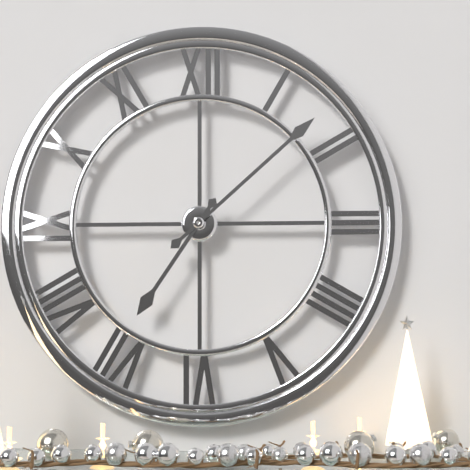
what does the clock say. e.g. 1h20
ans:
7h08
